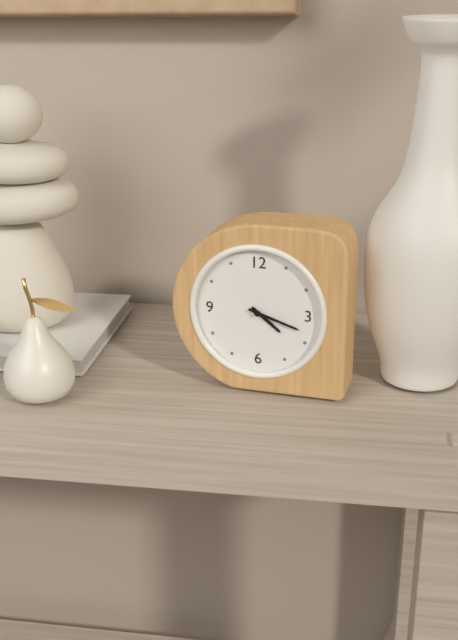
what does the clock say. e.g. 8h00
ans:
4h18
